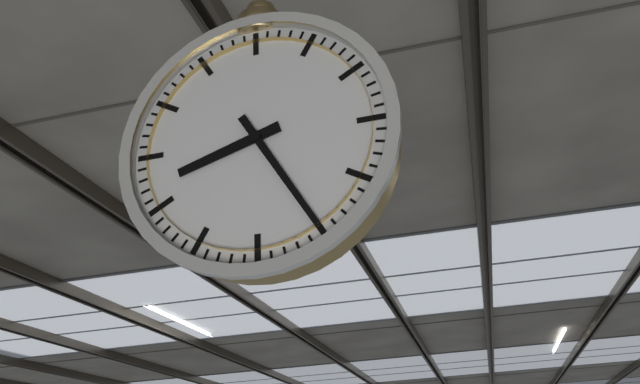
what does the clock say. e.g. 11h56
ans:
8h25
